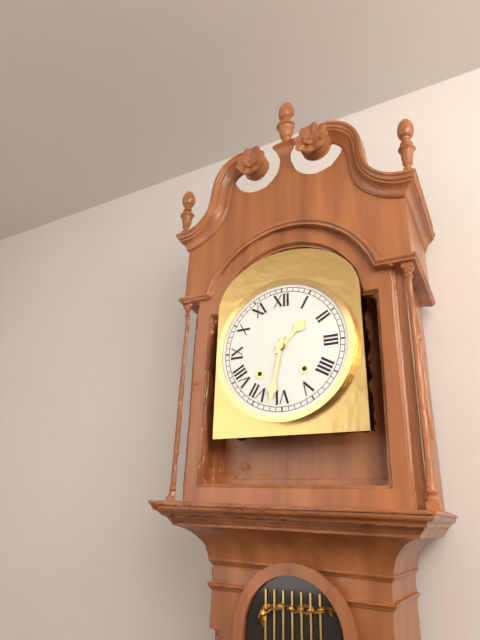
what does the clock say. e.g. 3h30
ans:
1h32
